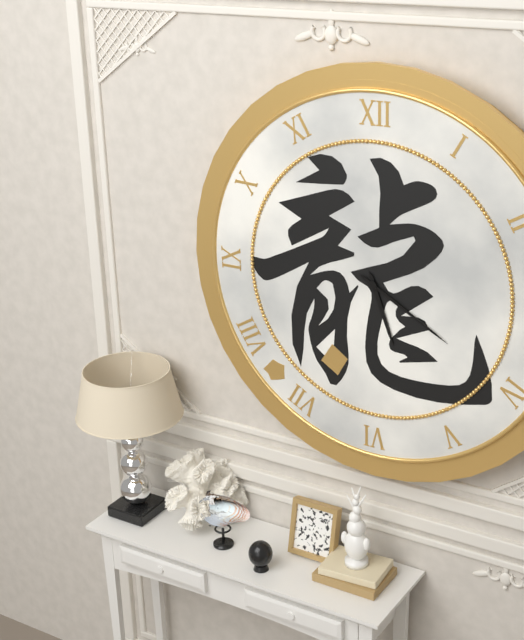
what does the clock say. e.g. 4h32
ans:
5h20
